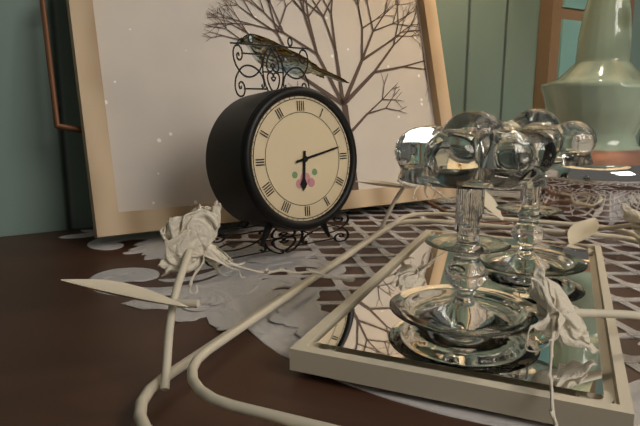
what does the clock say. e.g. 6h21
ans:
6h13
